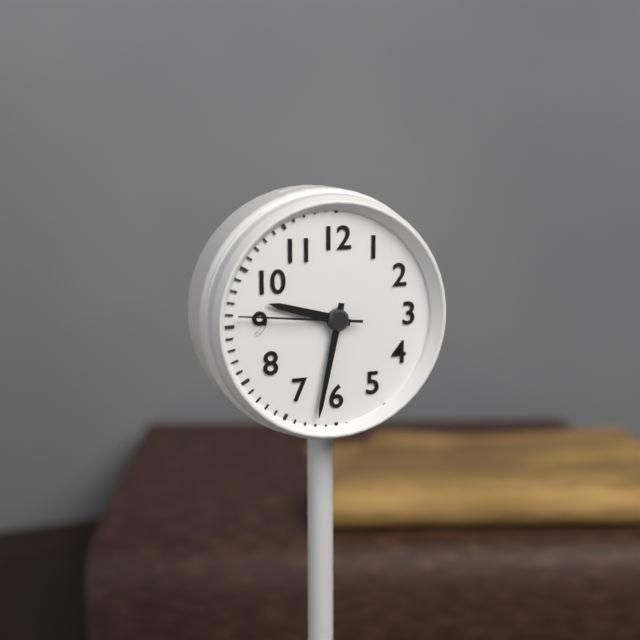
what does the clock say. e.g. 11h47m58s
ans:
9h32m46s
